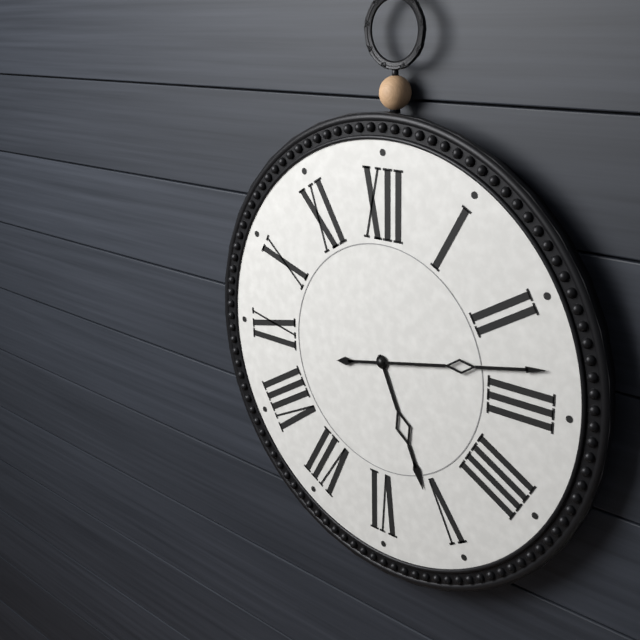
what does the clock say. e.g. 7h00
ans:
5h13
